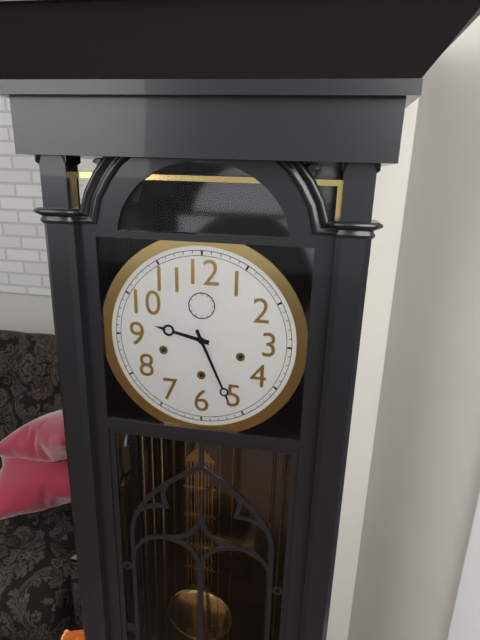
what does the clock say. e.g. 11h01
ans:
9h26
